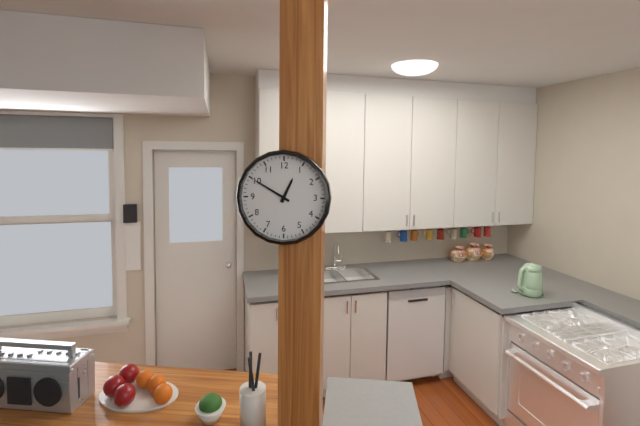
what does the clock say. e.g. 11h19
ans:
12h50
